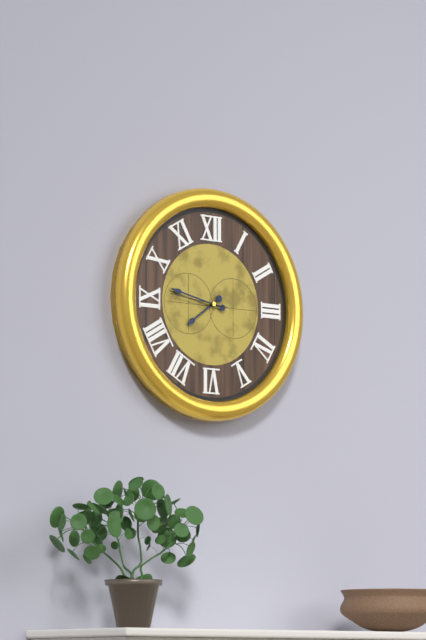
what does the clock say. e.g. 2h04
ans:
7h47
